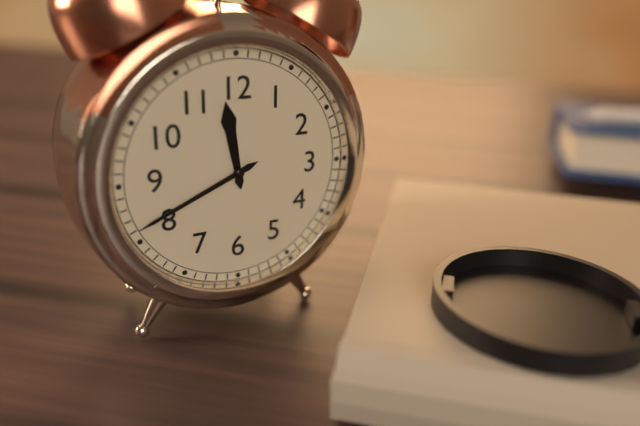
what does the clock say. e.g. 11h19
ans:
11h41
